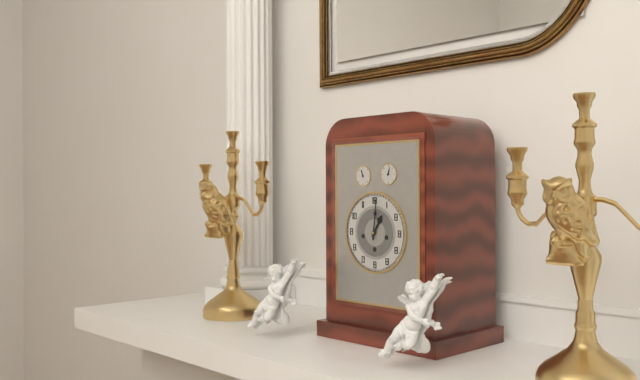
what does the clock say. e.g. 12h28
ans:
1h01
